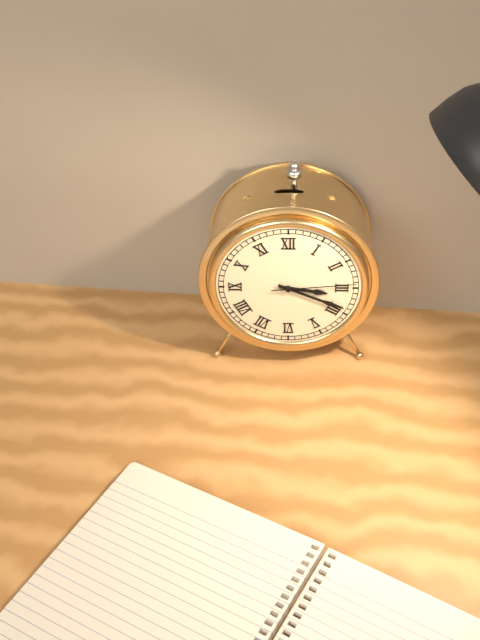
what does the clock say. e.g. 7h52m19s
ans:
3h19m14s
